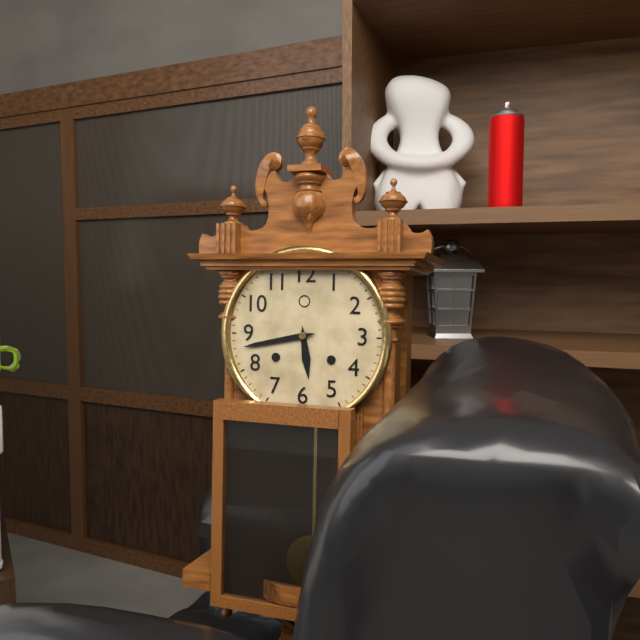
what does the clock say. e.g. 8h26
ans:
5h43
